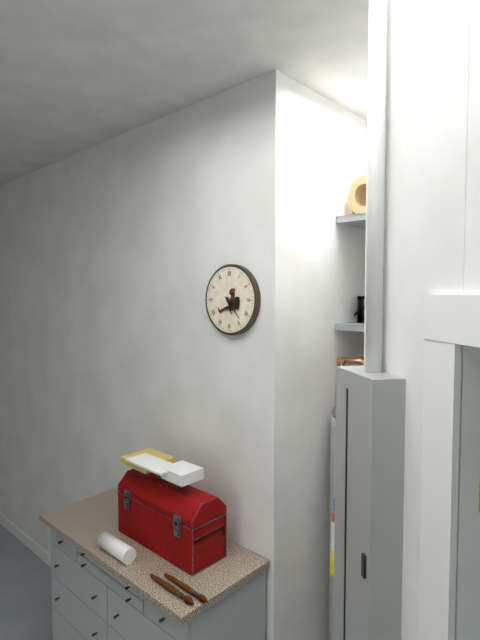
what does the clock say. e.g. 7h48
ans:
5h23
